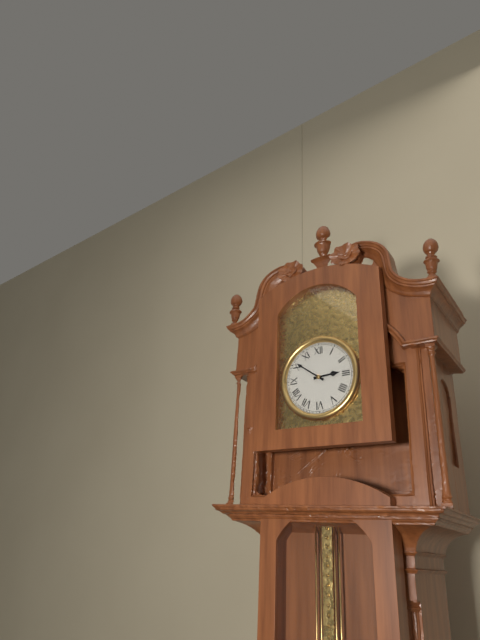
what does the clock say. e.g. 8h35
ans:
2h51
